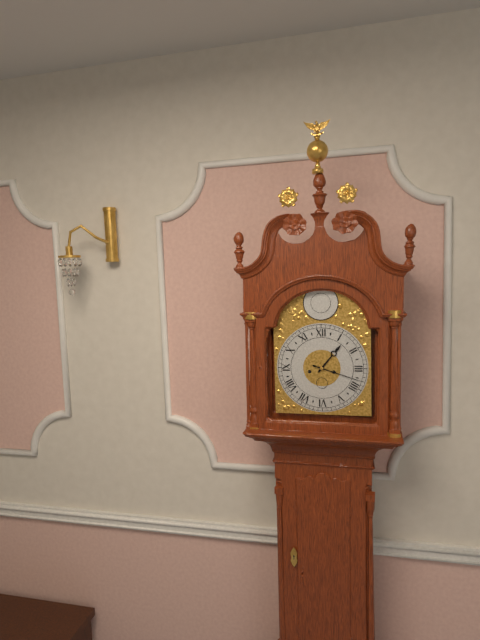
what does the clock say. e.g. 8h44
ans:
1h18
